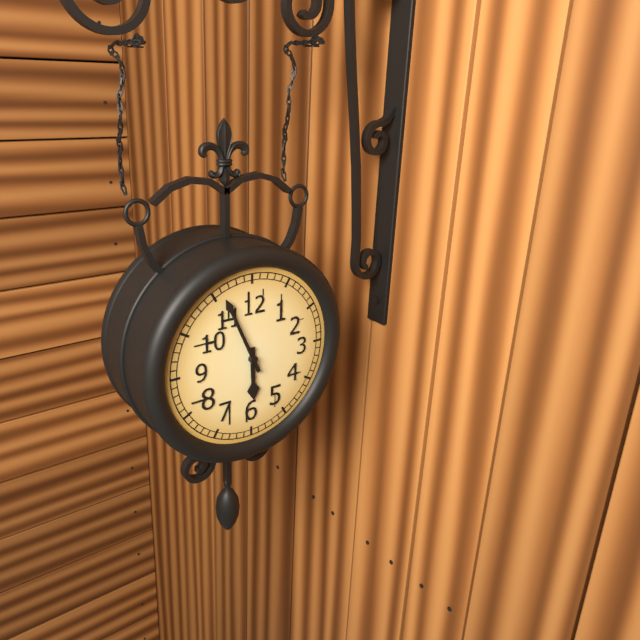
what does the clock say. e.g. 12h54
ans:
5h56
